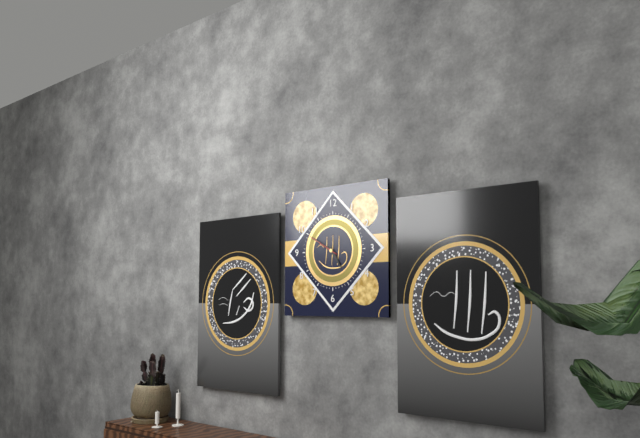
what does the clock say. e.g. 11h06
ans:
4h50
